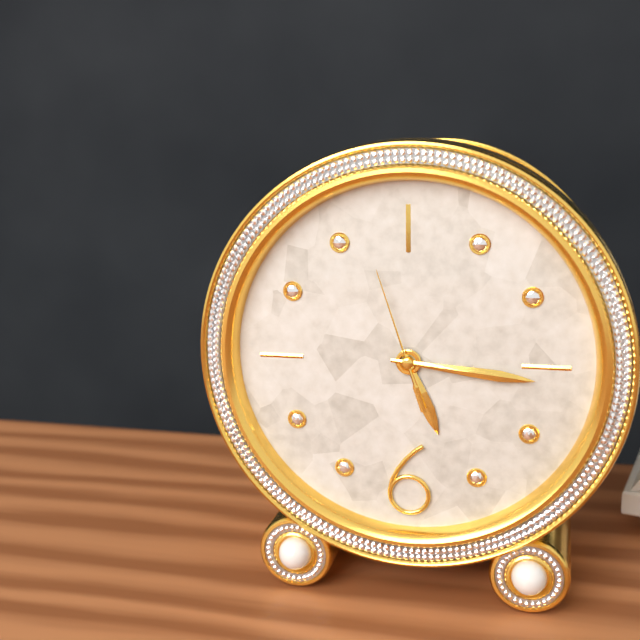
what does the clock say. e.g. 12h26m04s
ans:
5h16m57s
